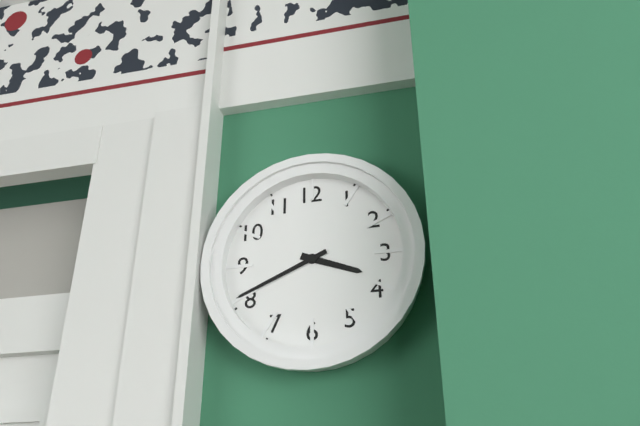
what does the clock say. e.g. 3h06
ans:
3h41
